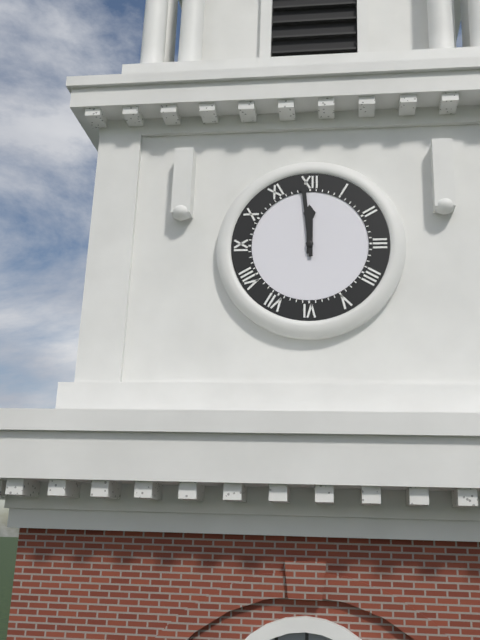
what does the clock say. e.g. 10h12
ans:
11h59
